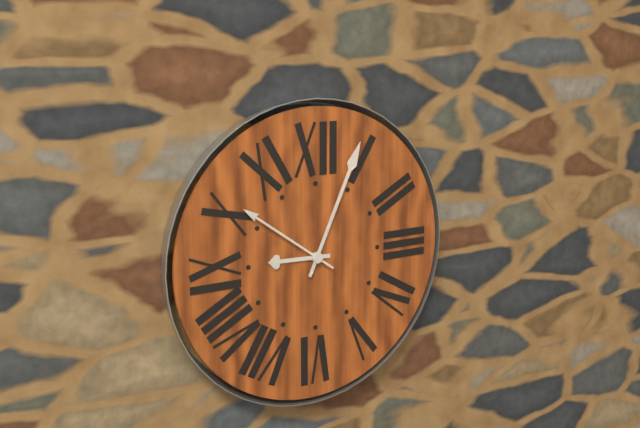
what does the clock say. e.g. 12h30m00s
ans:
9h04m51s
